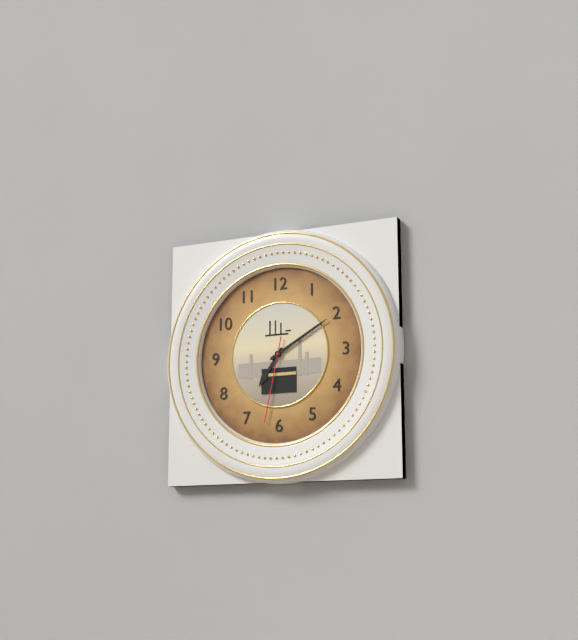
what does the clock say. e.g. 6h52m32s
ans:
7h10m32s
